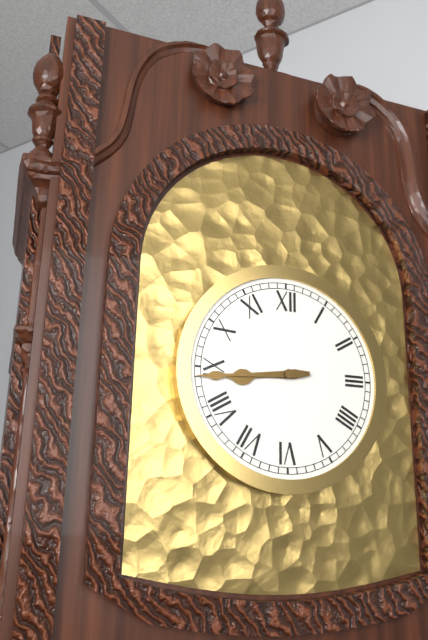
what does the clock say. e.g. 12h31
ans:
8h44
